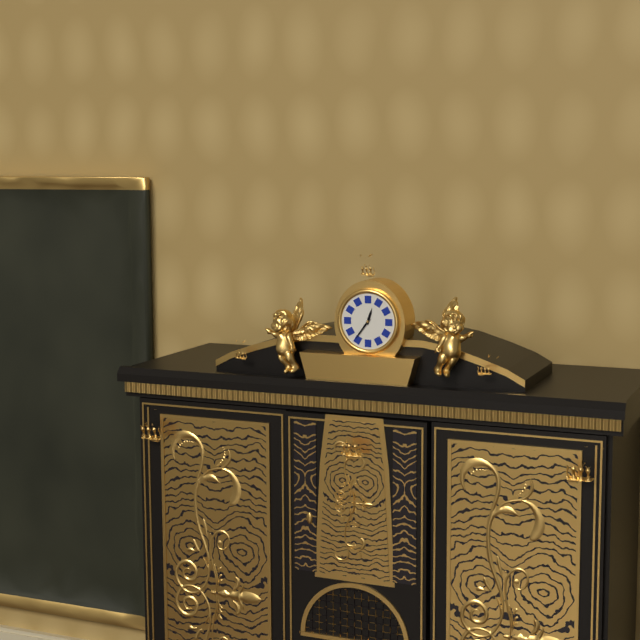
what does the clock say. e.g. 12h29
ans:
12h36
